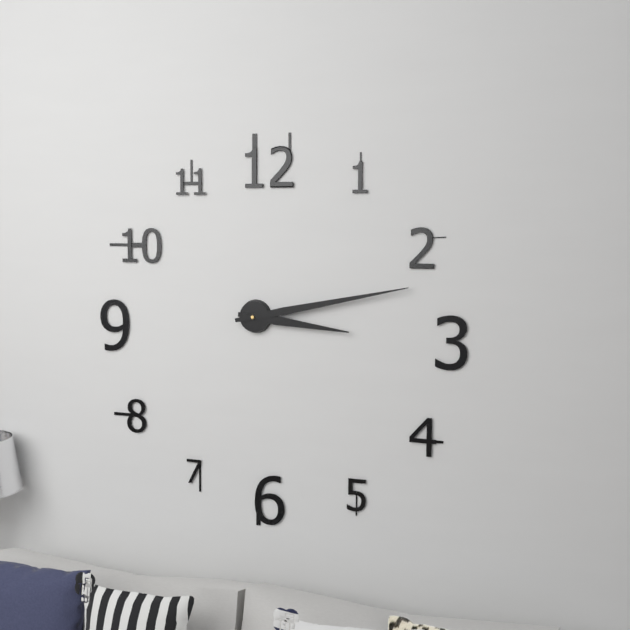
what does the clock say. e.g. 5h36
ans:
3h13
